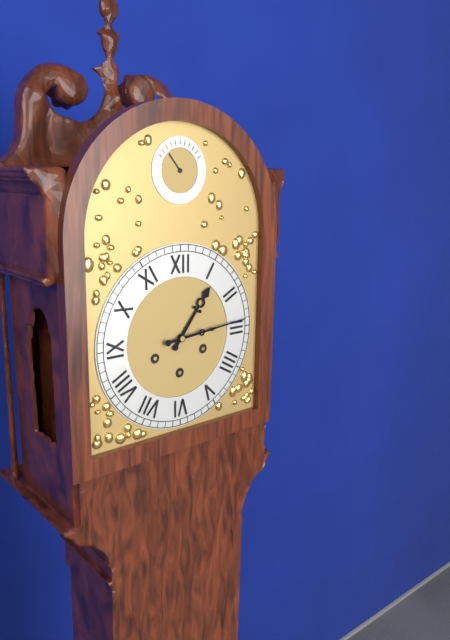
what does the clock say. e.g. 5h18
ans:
1h14
